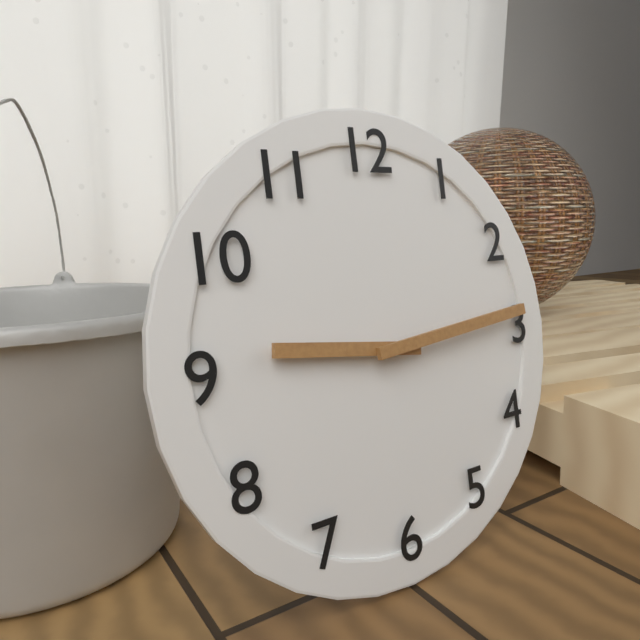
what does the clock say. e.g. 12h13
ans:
9h14
